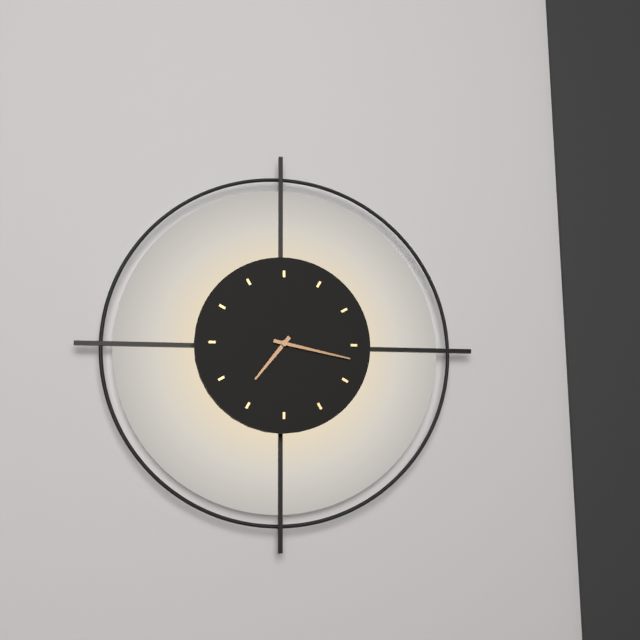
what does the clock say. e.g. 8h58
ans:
7h17
